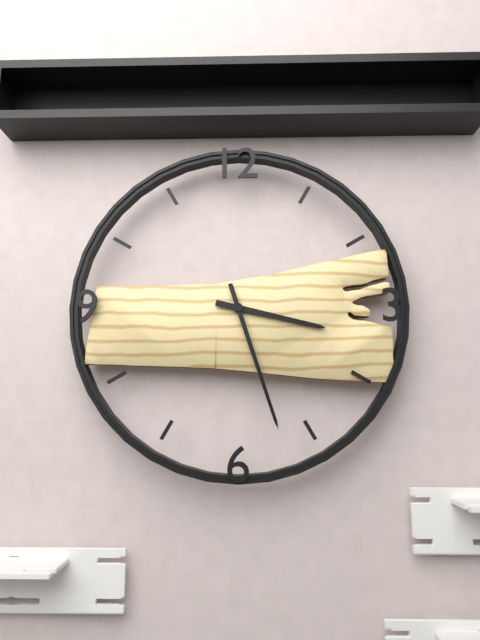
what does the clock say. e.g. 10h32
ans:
3h27
